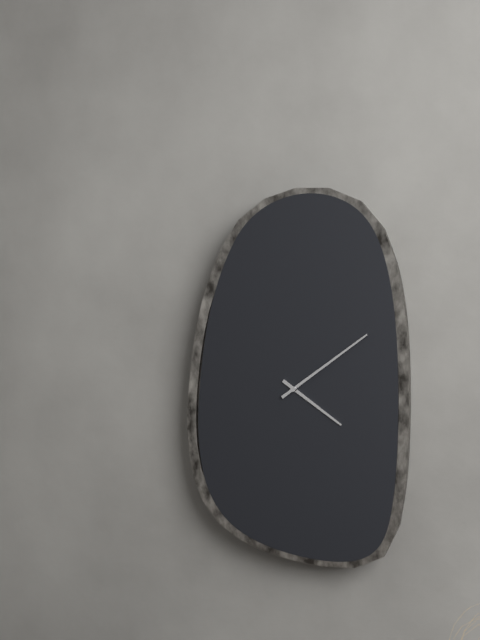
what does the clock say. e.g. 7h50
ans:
4h09
